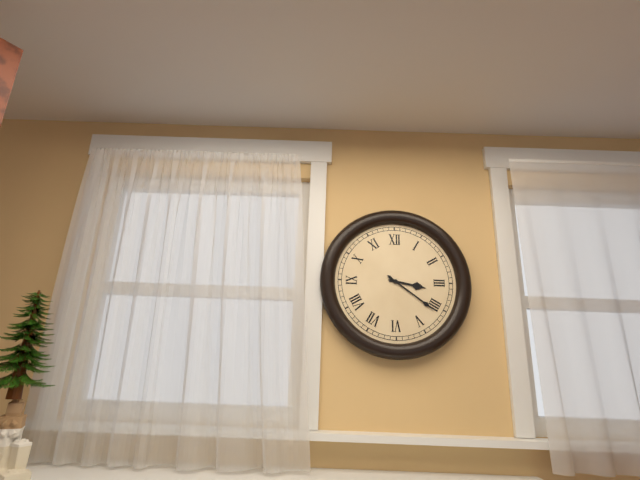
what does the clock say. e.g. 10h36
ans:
3h21
